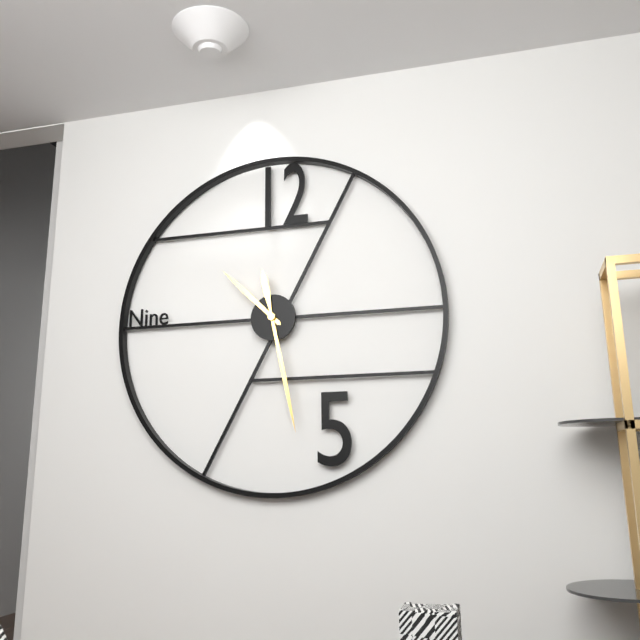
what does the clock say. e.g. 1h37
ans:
10h28
